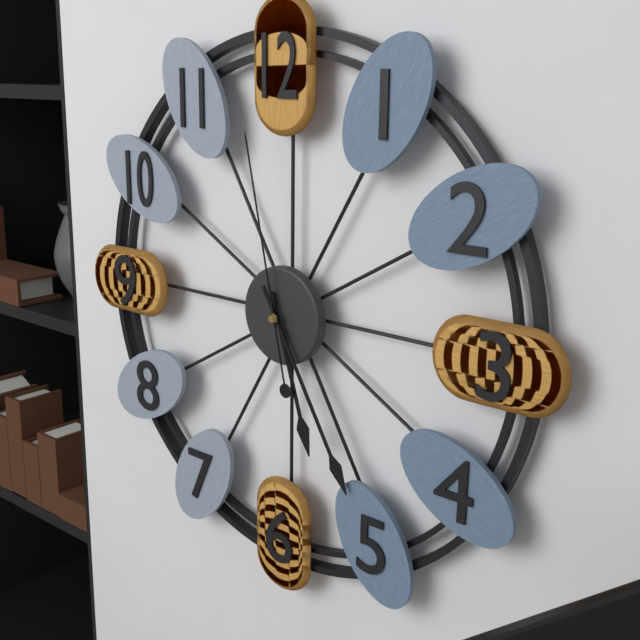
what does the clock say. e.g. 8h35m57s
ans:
5h25m58s
